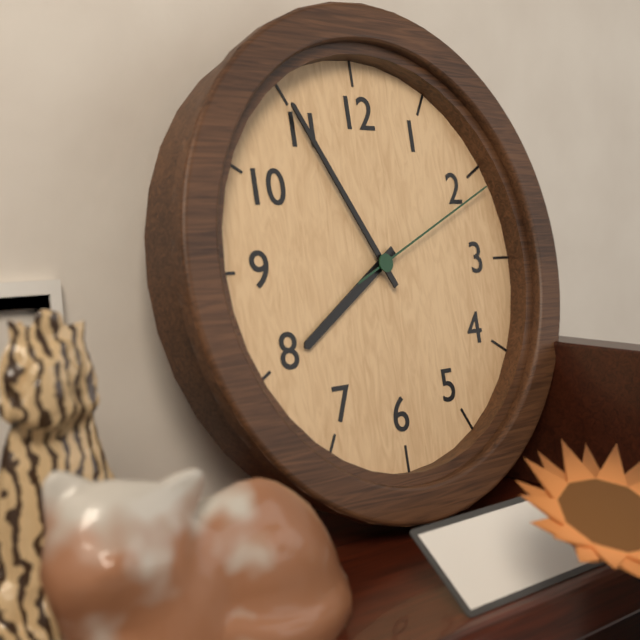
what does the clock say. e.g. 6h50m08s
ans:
7h55m11s
